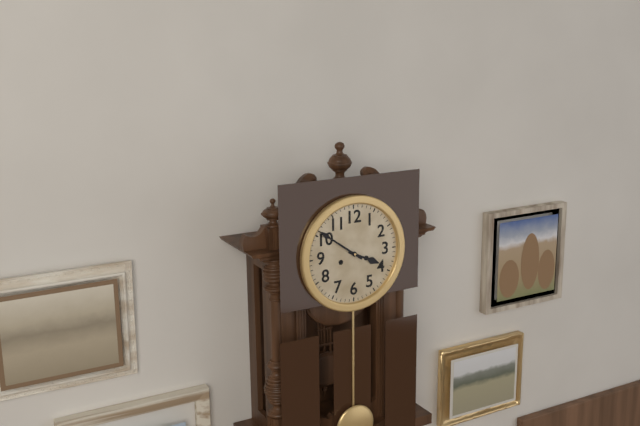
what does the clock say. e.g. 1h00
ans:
3h51
